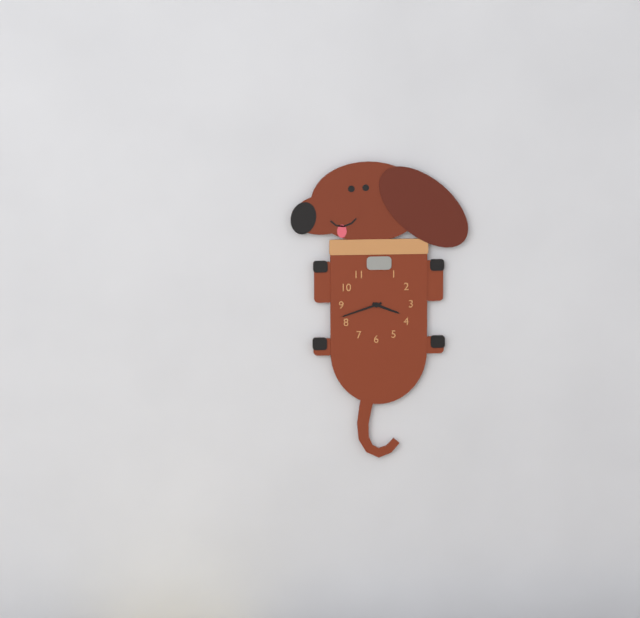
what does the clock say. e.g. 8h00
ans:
3h42
